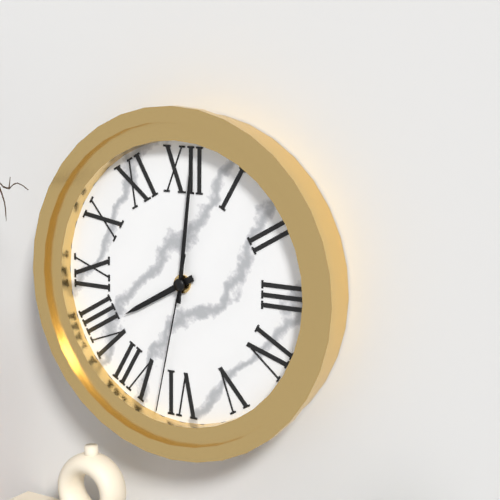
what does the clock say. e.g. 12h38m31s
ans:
8h01m32s
